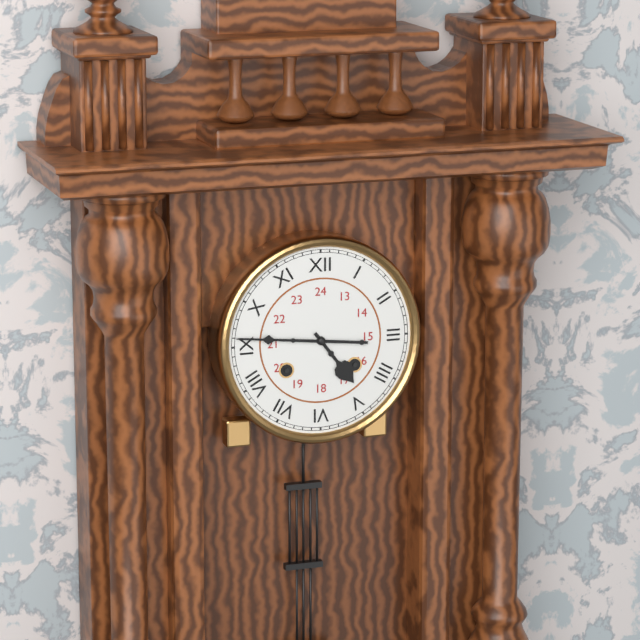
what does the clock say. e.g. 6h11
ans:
4h46
